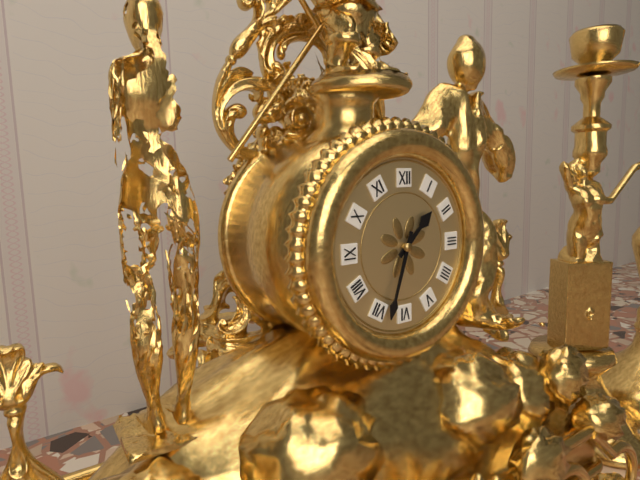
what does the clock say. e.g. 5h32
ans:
1h33
